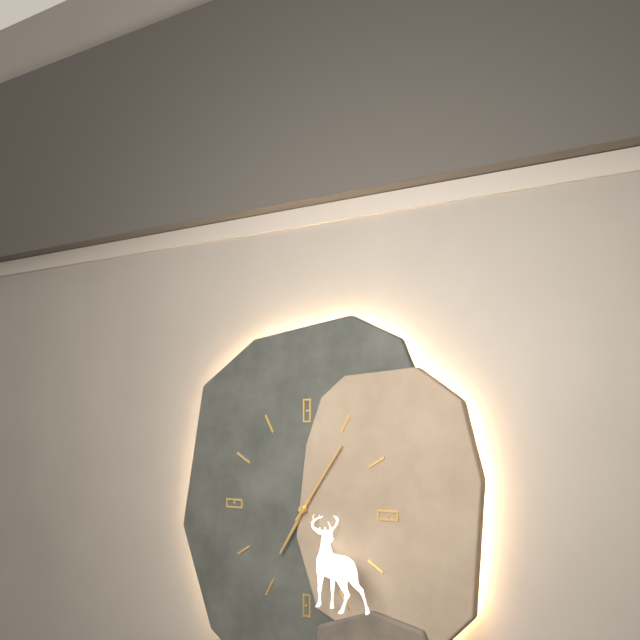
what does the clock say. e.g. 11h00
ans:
7h06
